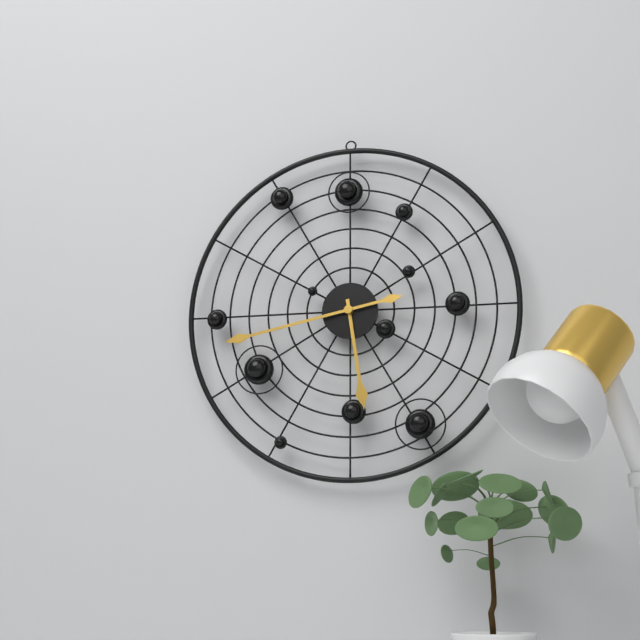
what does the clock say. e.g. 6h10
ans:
5h43
